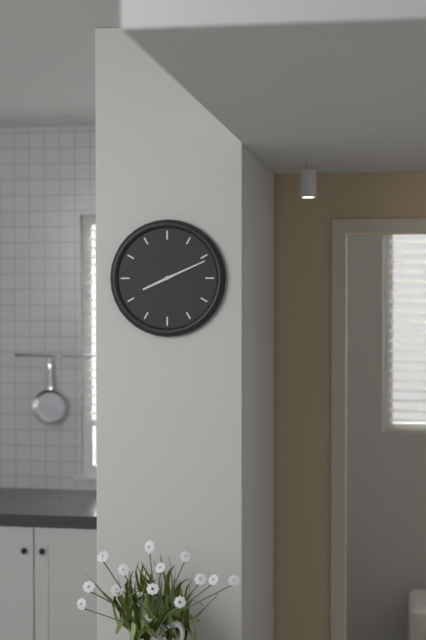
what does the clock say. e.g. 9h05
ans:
8h11
